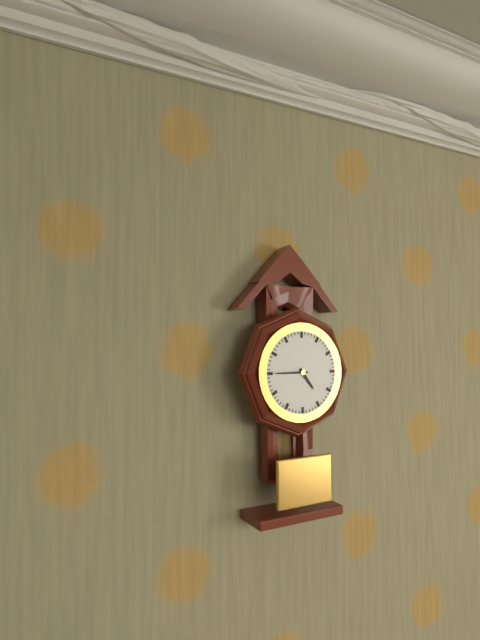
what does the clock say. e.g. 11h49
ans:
4h45
